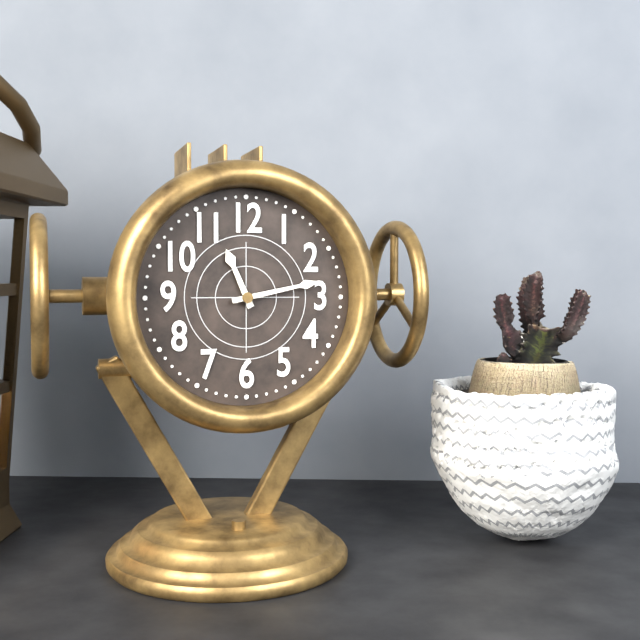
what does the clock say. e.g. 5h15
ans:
11h13
